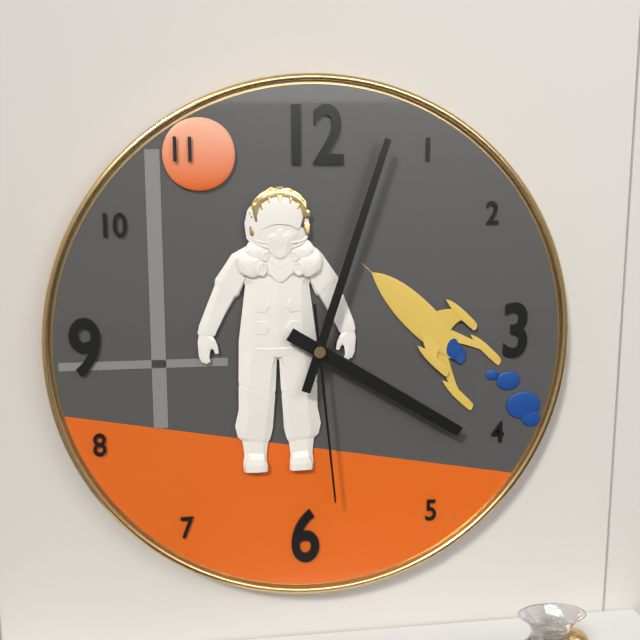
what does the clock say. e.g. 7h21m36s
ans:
4h03m29s
